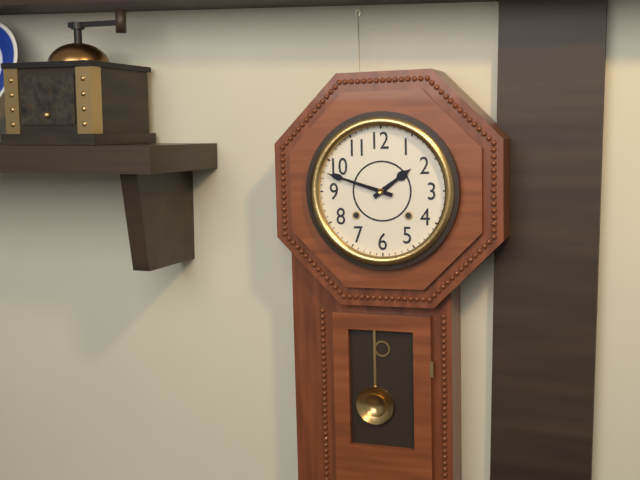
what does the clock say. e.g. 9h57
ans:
1h48
